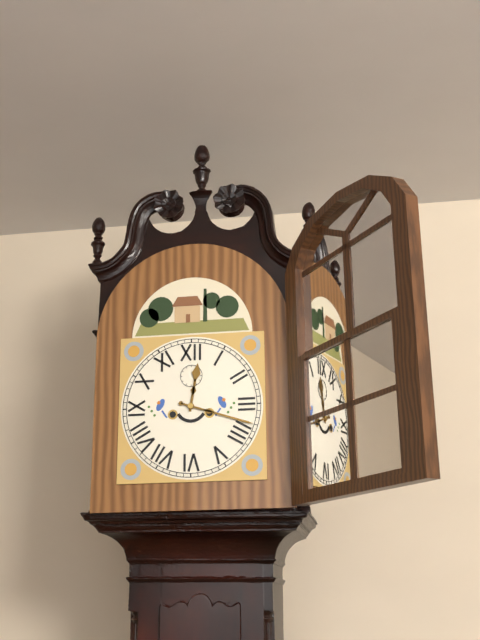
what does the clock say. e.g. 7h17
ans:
12h18
